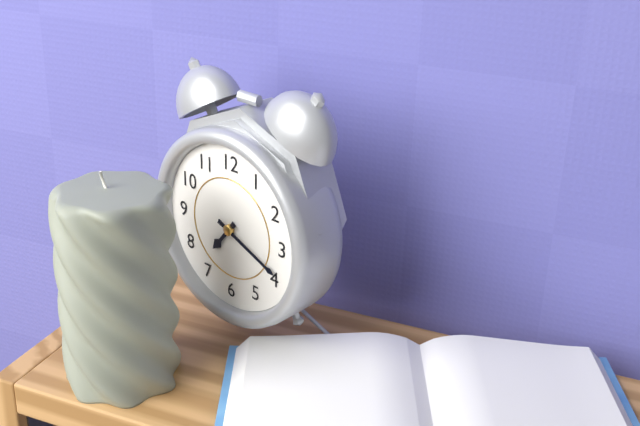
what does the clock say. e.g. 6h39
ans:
7h19
